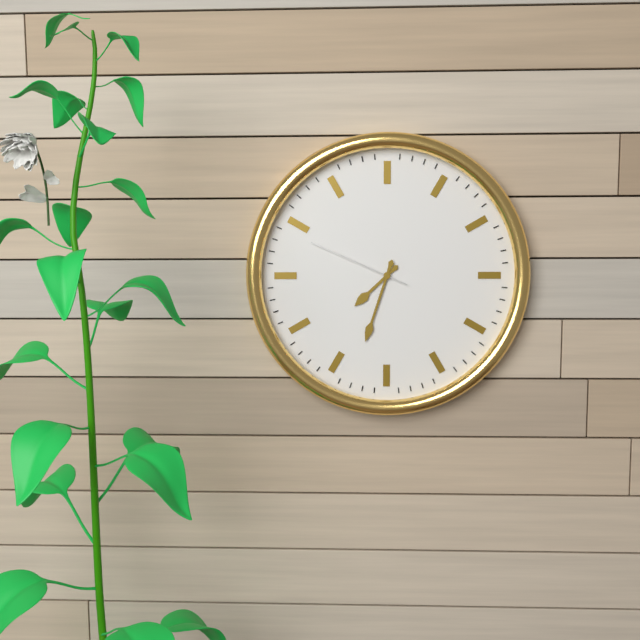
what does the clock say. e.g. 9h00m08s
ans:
7h33m49s
